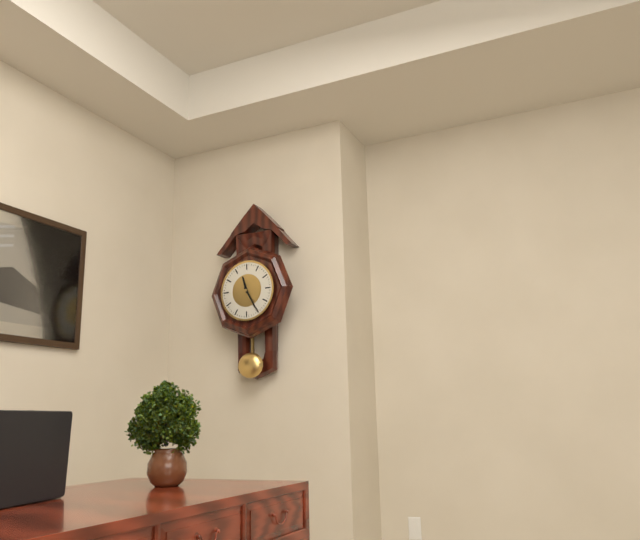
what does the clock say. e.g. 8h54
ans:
11h25
